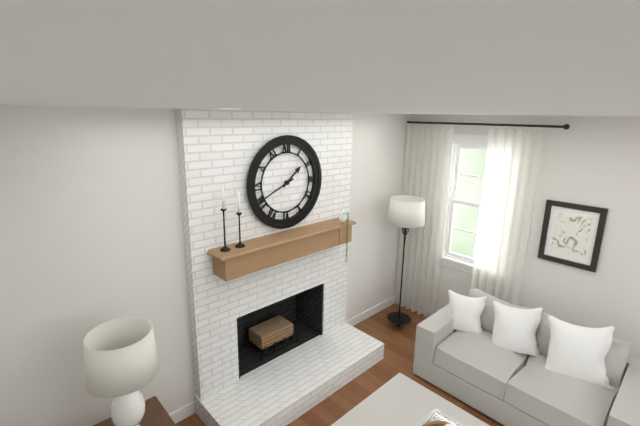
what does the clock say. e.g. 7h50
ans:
1h41
